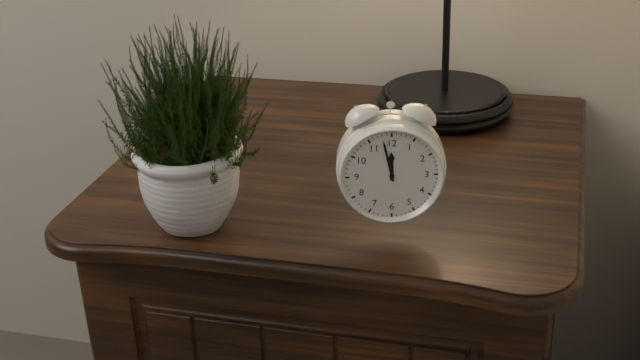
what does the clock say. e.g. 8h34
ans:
11h58
